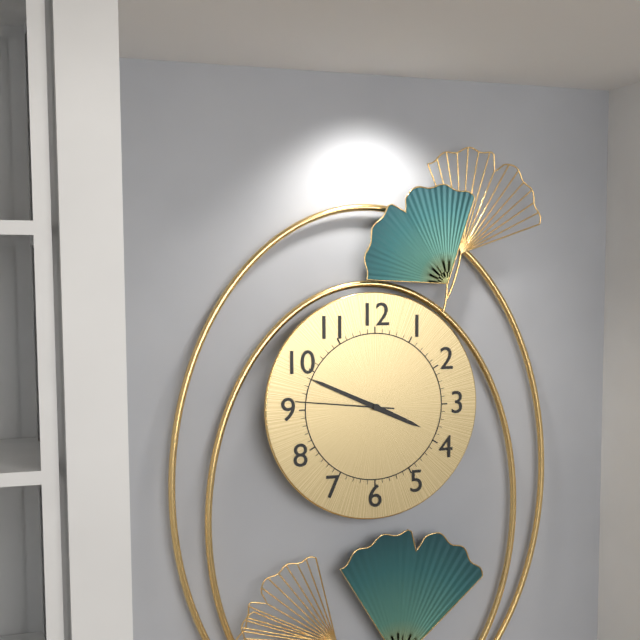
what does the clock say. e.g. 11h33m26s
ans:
3h49m46s
